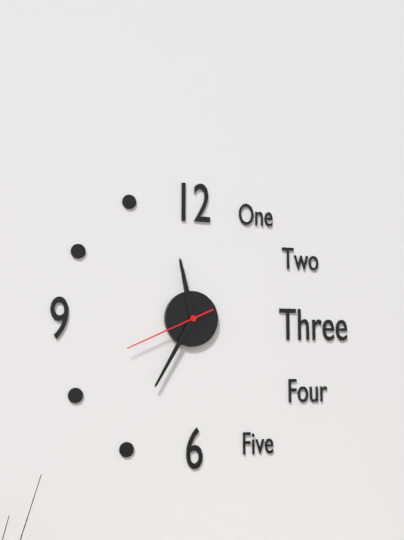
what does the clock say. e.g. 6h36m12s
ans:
11h35m41s
